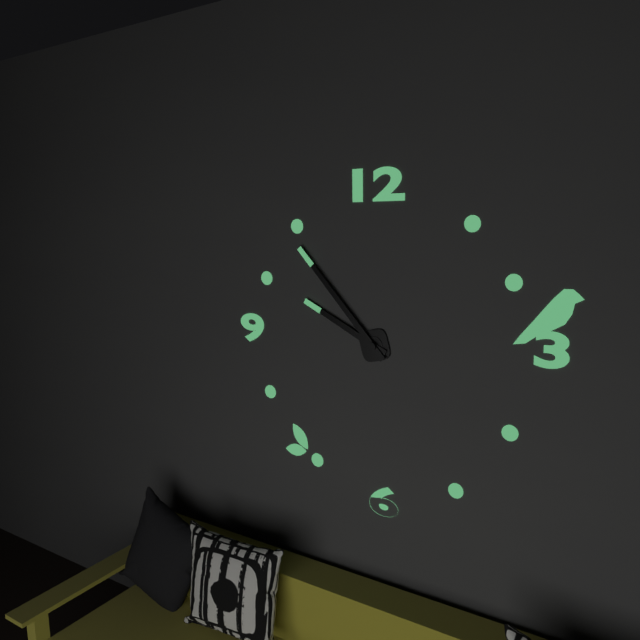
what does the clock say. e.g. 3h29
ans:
9h53
